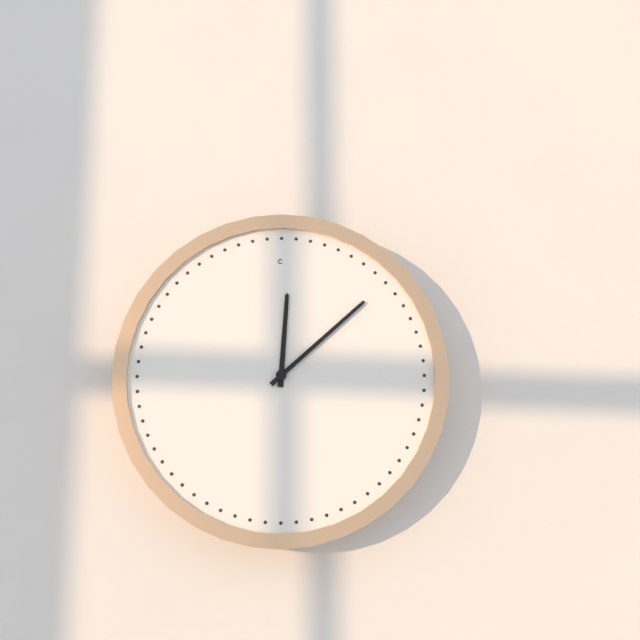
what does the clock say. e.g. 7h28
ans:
12h08
